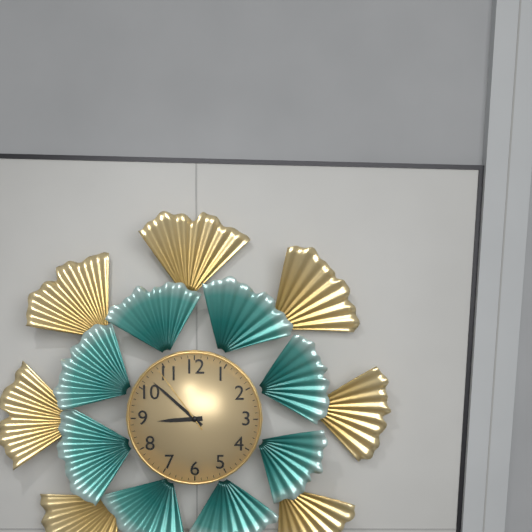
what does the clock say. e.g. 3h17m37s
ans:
8h52m54s
